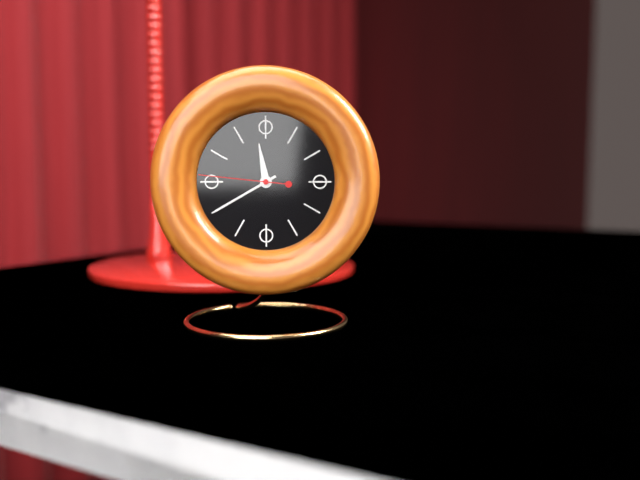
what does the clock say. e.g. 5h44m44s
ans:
11h40m46s
